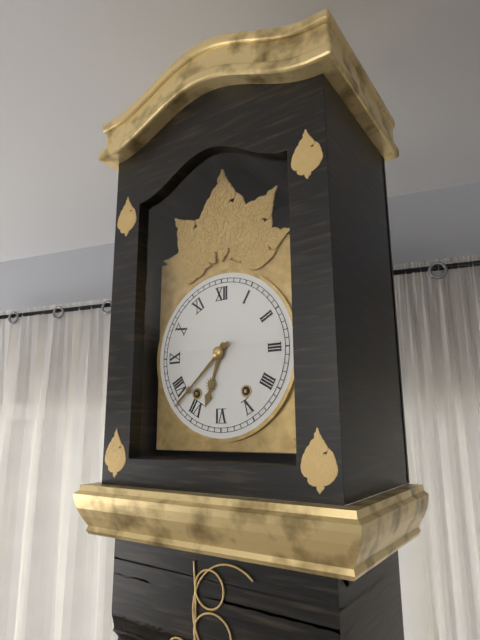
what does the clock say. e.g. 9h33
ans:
6h38
